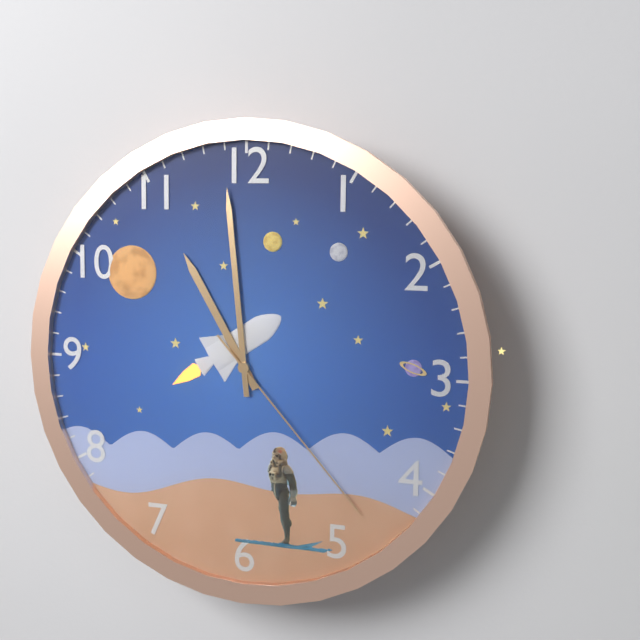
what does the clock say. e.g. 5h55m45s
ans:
10h59m23s
